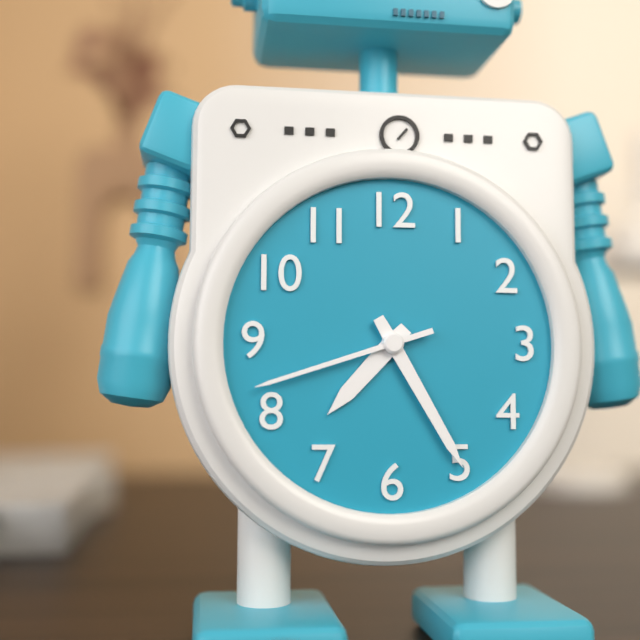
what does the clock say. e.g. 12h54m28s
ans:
7h25m42s
